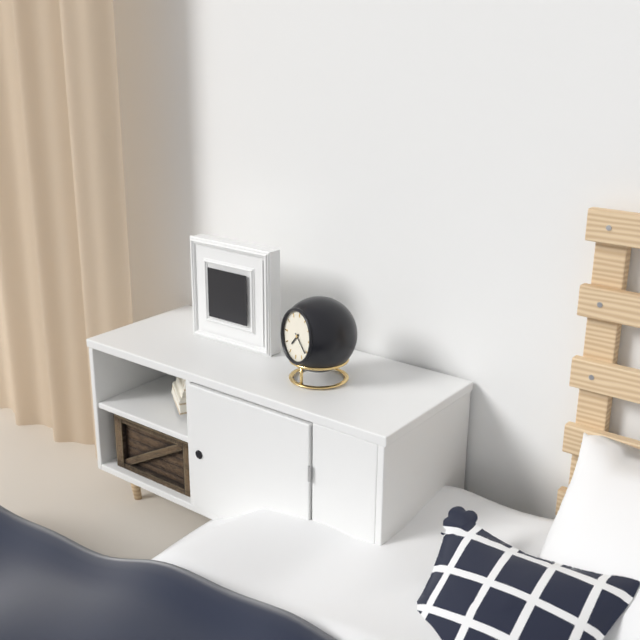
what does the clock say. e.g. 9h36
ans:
7h21
